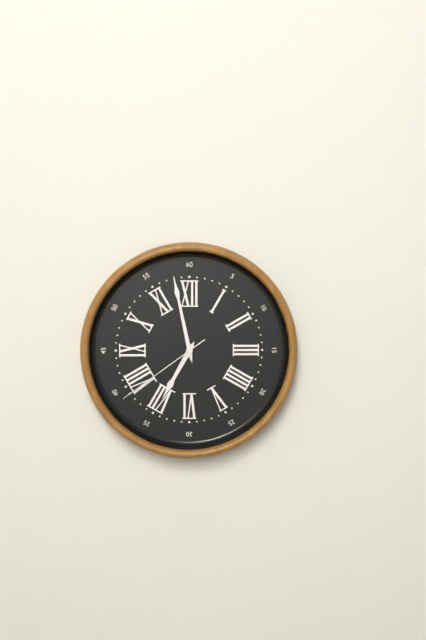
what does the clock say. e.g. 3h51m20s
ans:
6h58m39s
